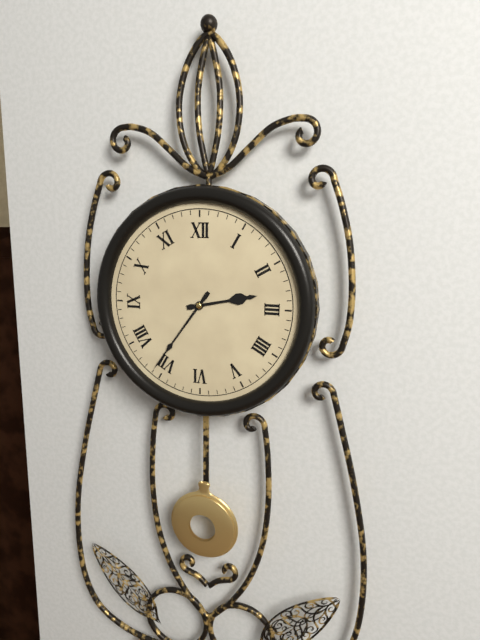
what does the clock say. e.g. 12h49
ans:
2h36
